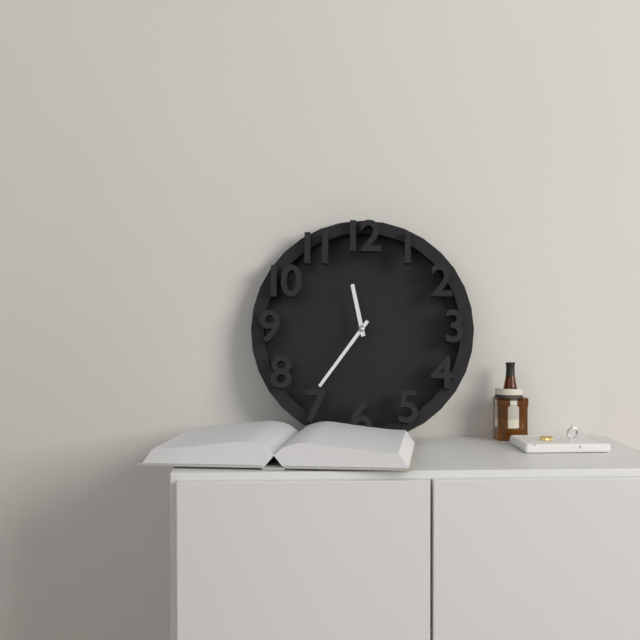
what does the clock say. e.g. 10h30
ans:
11h36
